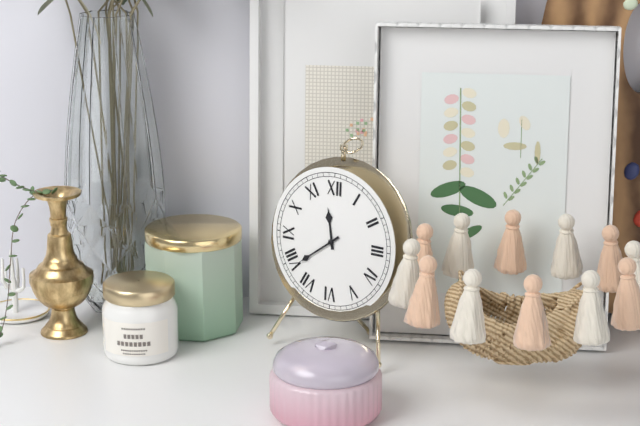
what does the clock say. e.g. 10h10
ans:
11h39
